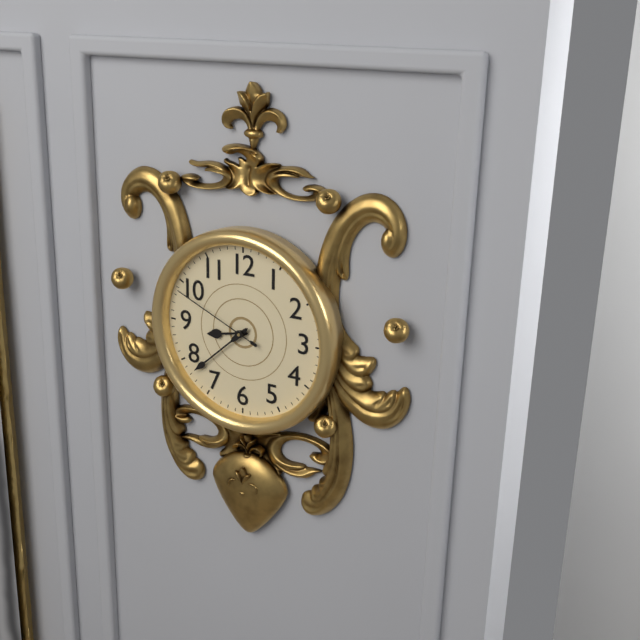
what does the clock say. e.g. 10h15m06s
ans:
8h38m49s
